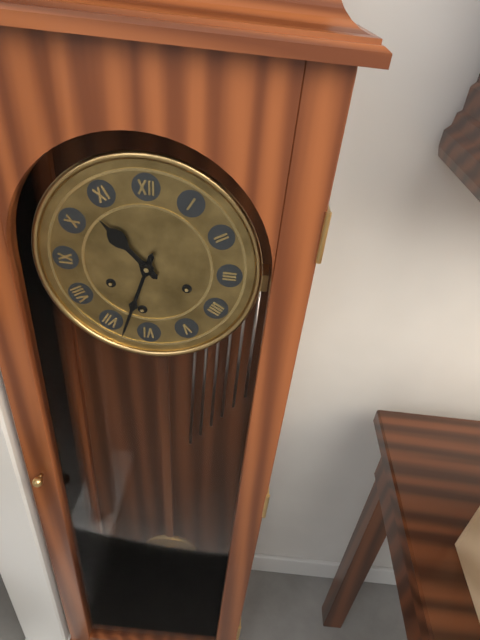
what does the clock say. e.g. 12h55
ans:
10h33
